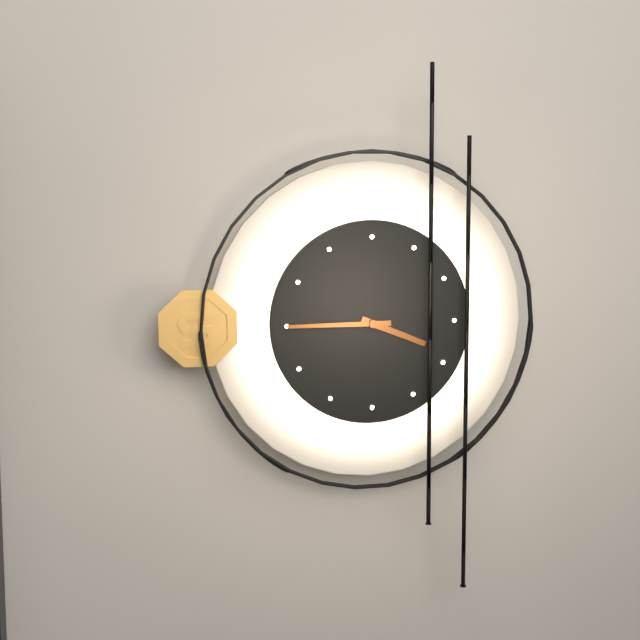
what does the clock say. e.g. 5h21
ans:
3h45
